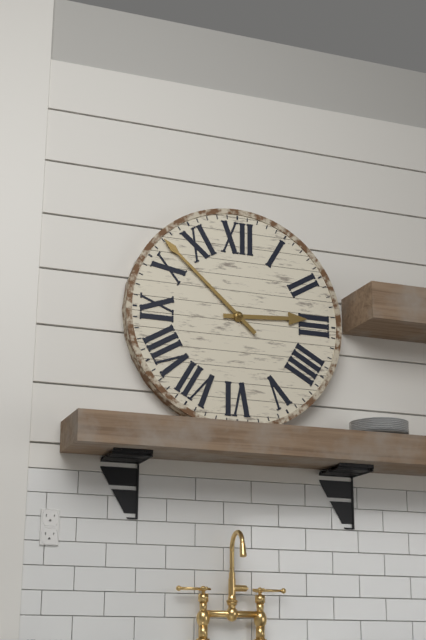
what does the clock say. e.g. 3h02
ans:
2h52
